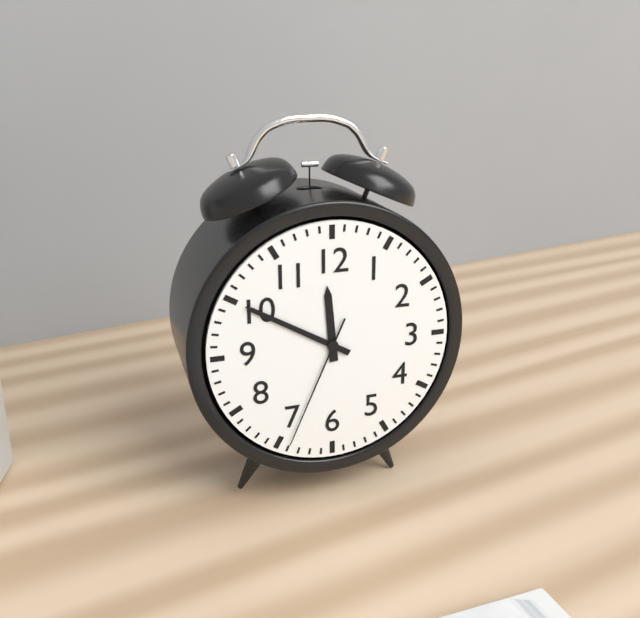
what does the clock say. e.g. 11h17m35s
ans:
11h50m34s
